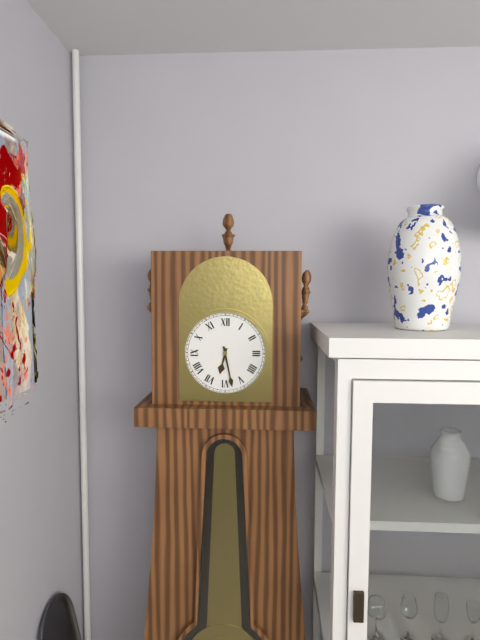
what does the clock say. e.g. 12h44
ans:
6h28
